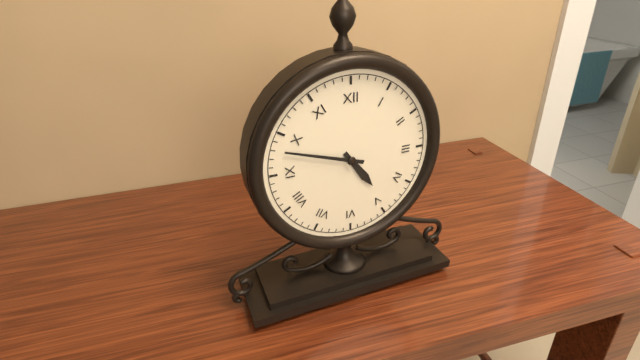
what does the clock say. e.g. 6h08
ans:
4h48
